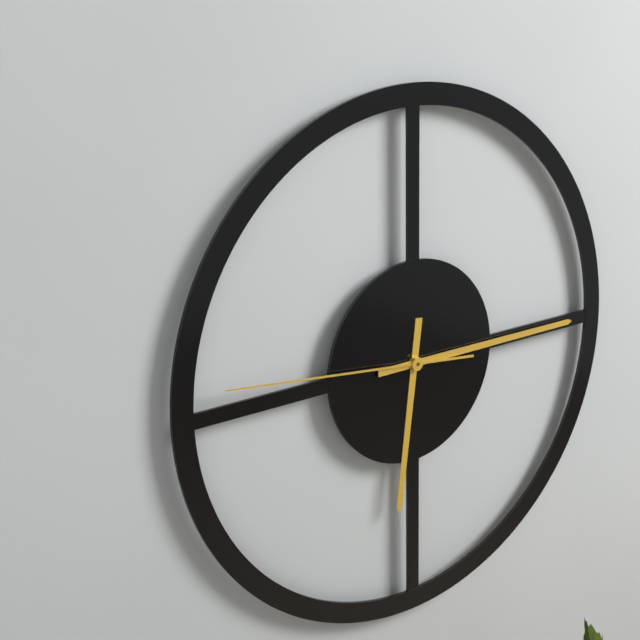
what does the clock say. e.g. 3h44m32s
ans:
6h15m46s
